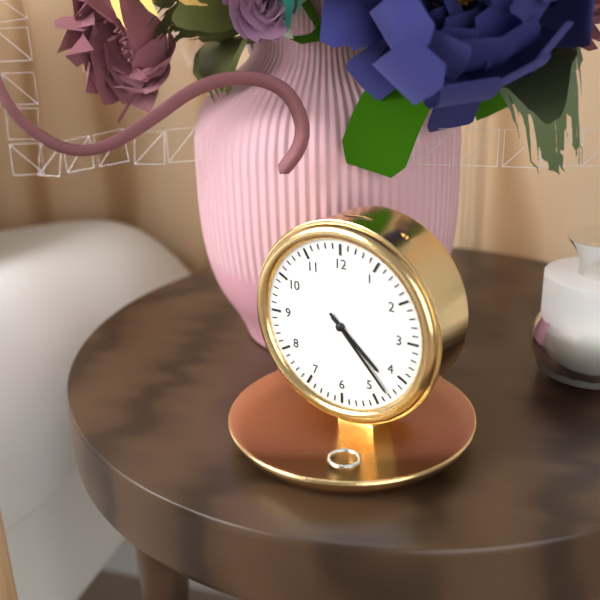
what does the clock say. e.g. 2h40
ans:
4h23
